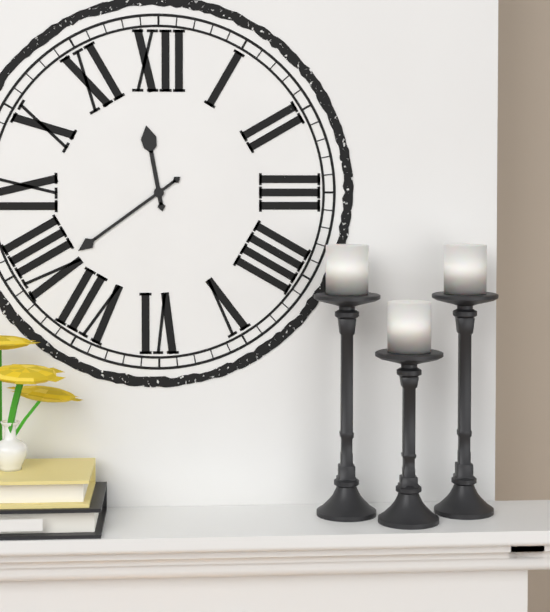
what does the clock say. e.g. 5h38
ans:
11h39
